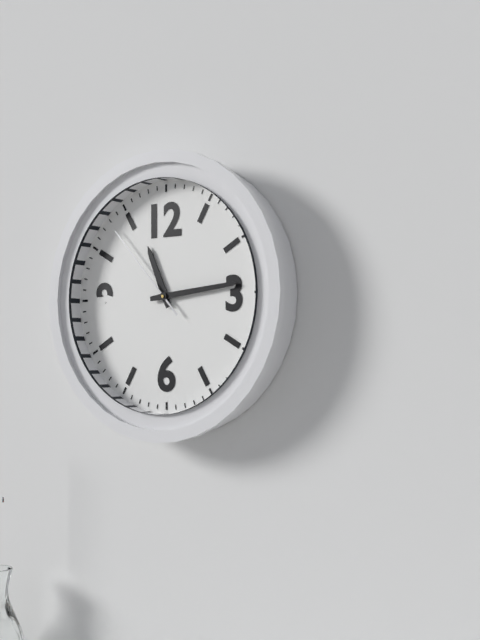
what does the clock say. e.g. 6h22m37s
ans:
11h14m53s
